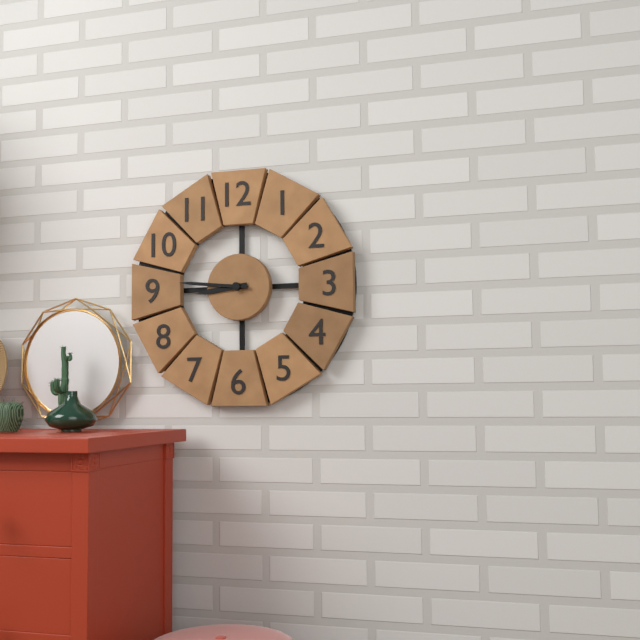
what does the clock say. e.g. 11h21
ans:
8h46
